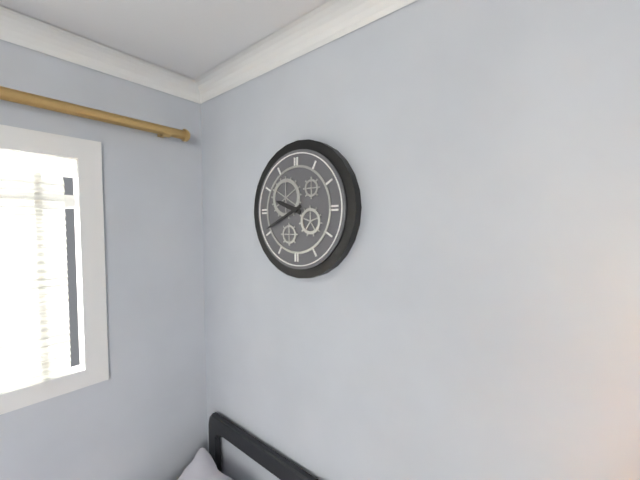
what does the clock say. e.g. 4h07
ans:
9h41
